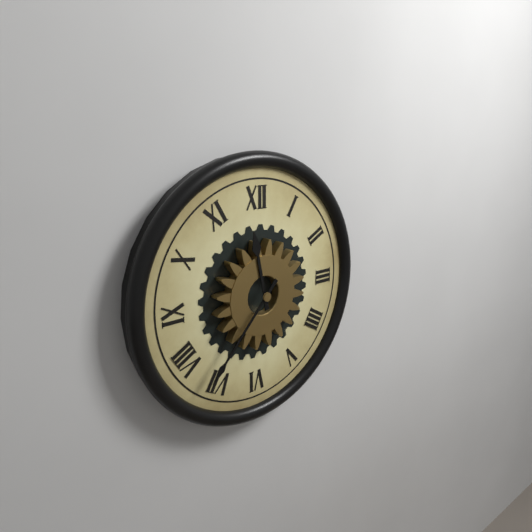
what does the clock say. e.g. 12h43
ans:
11h37
